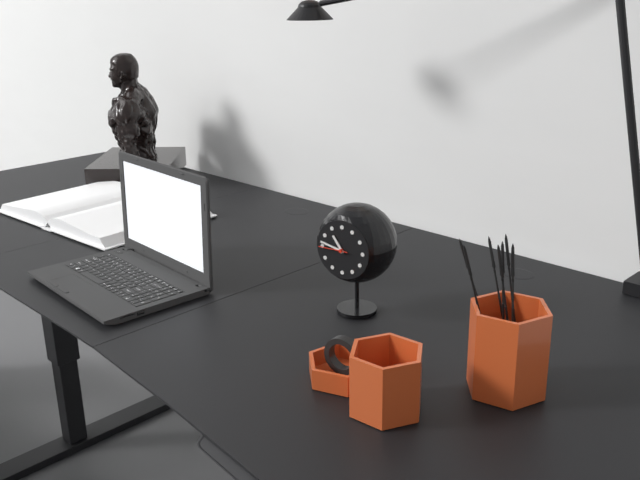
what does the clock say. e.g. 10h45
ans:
10h47
